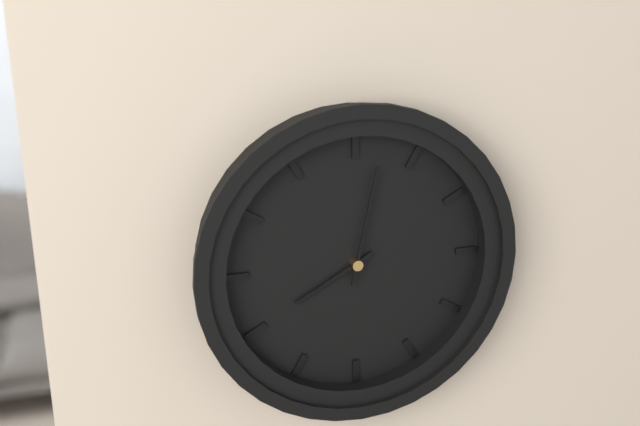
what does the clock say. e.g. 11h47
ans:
8h02
